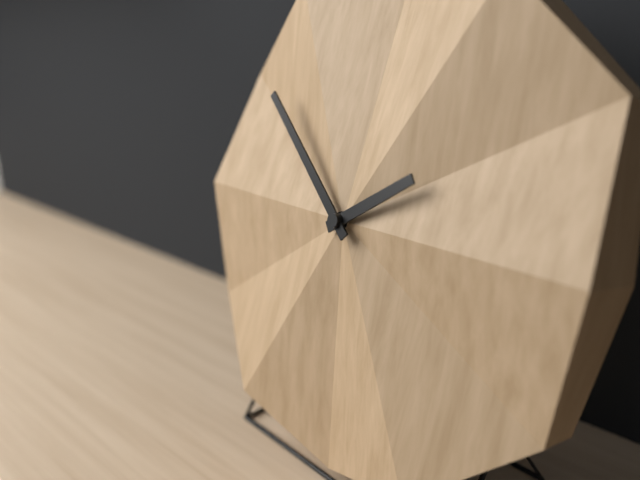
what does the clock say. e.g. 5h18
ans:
1h52
